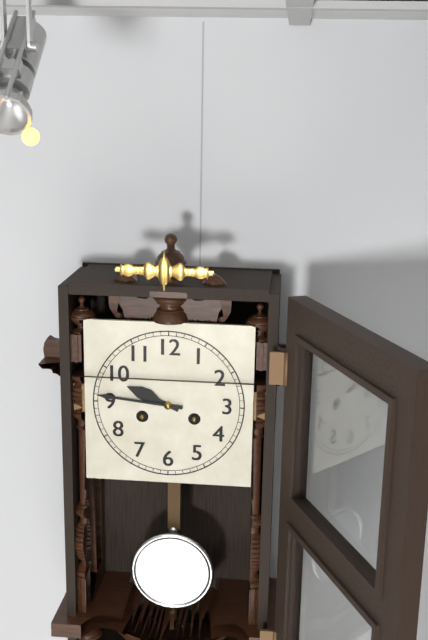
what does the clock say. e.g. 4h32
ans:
9h46
